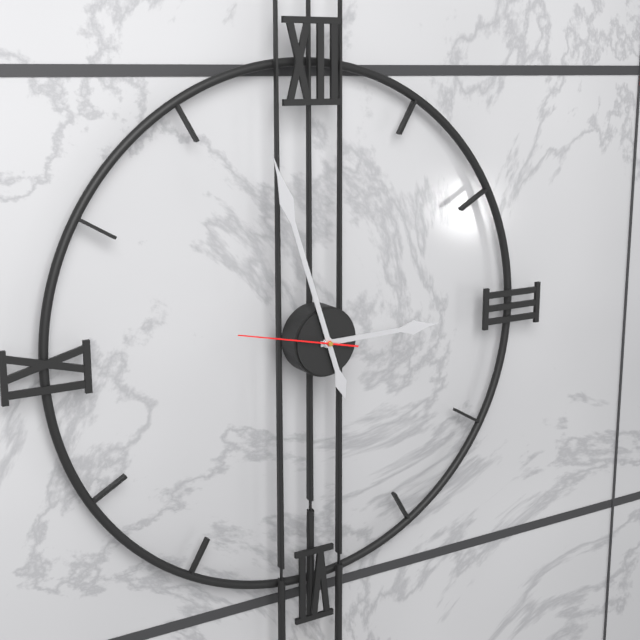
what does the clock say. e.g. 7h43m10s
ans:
2h57m47s
